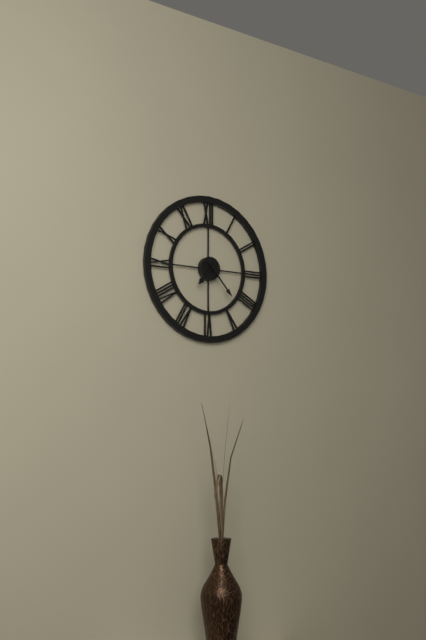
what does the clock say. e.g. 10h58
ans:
7h23
